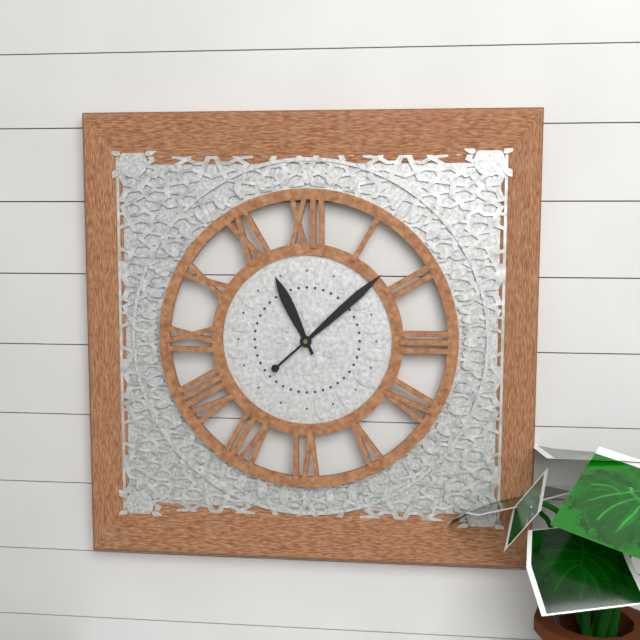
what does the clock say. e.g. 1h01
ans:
11h08
